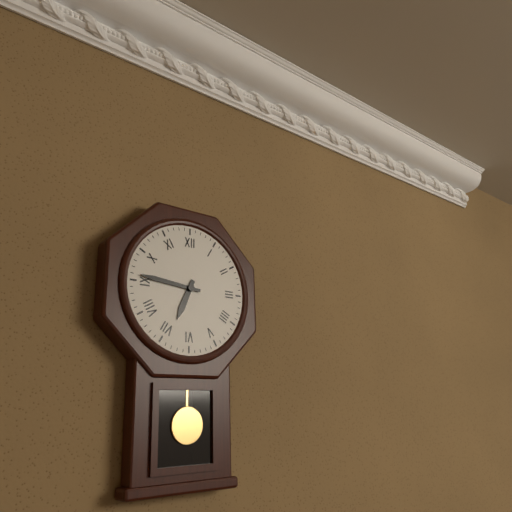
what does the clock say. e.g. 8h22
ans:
6h46
